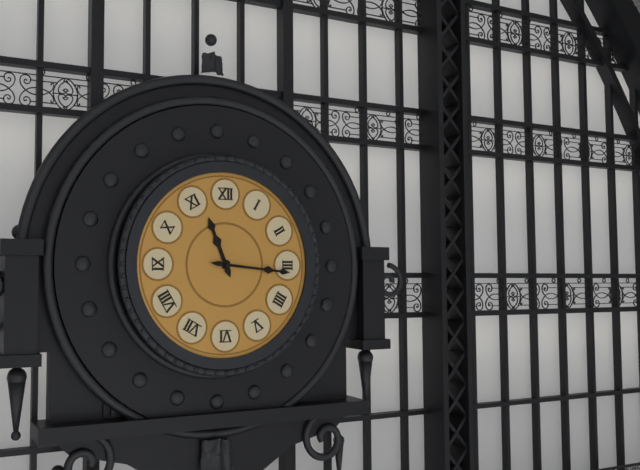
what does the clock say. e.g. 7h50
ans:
11h16
